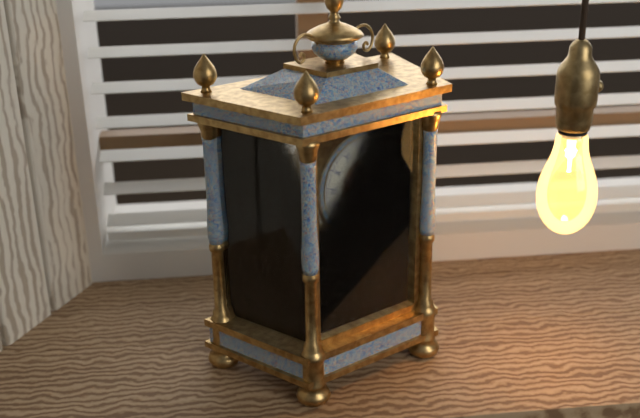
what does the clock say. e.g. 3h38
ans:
7h36
